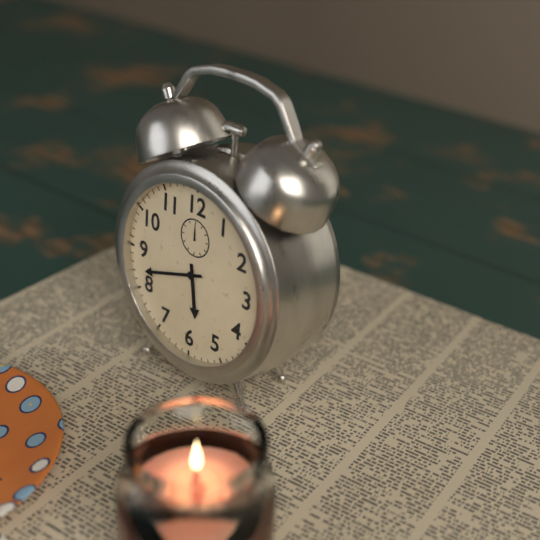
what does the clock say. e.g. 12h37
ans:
5h42
